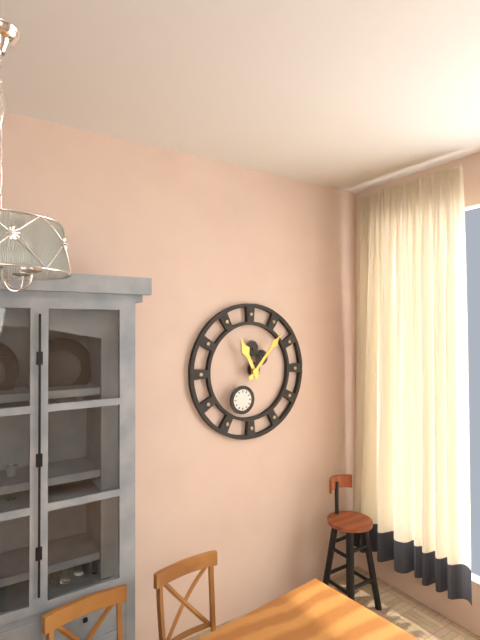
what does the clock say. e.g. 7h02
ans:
11h07
